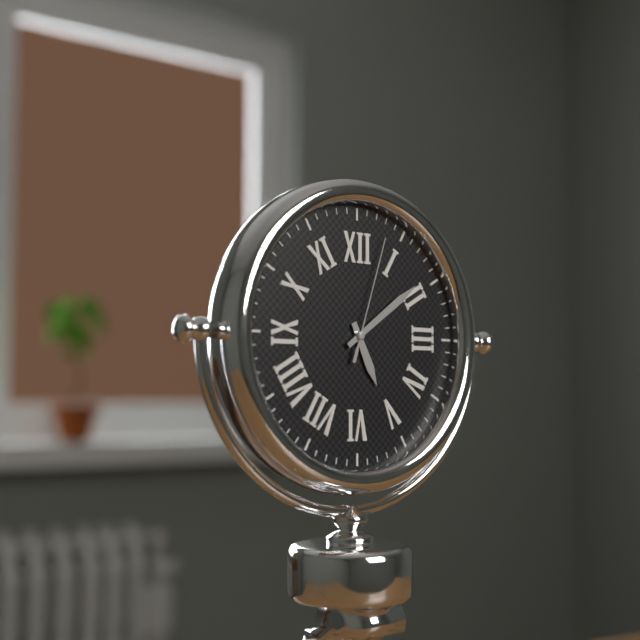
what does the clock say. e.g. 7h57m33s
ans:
5h09m03s
